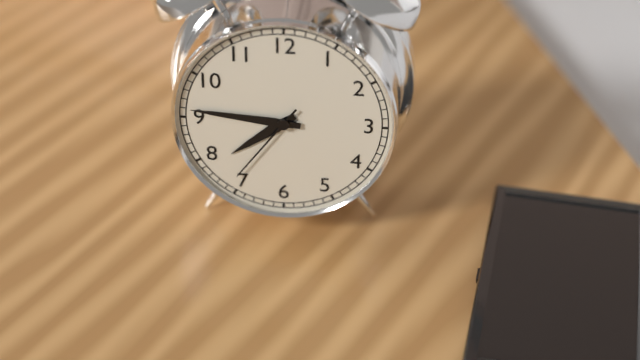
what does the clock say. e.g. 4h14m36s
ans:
7h46m36s
